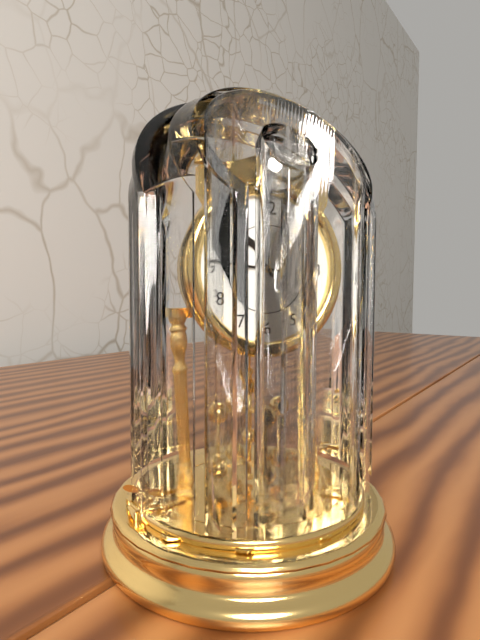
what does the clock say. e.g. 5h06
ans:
10h46
